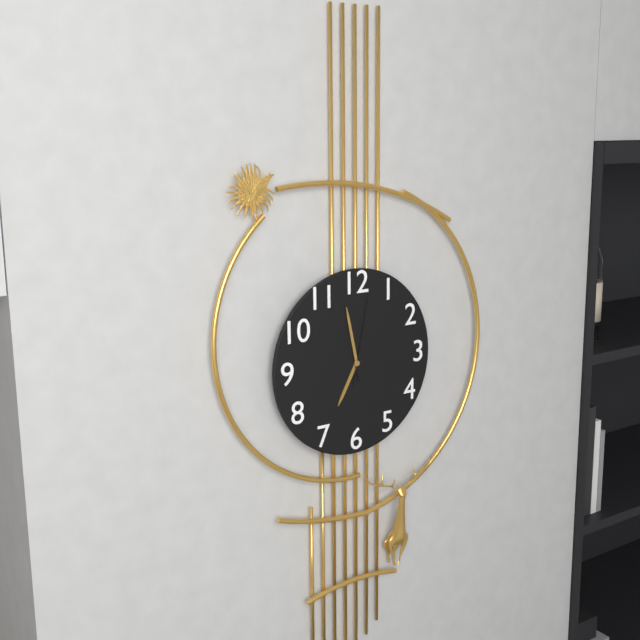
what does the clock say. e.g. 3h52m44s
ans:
6h58m02s
